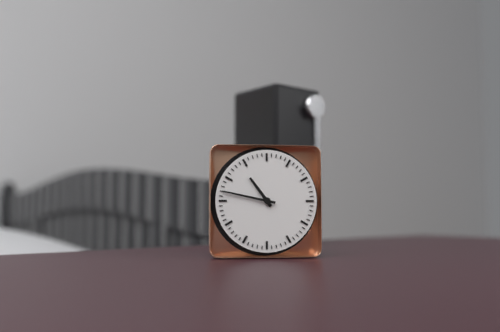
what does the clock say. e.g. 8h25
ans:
10h47
